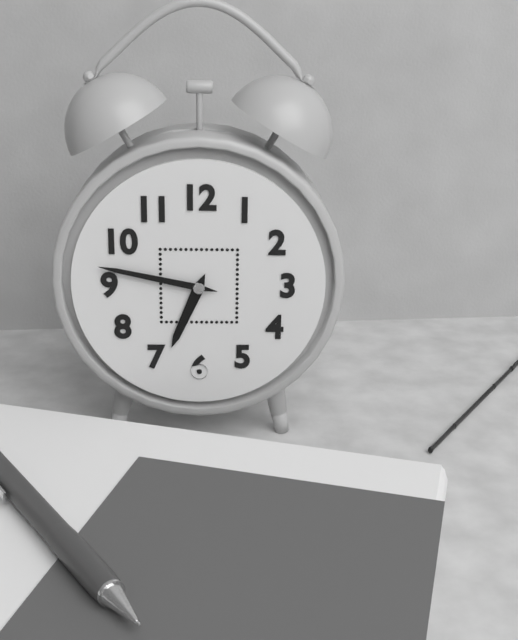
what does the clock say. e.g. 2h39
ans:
6h47
